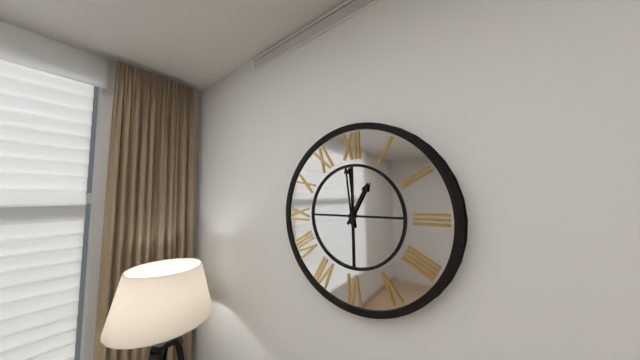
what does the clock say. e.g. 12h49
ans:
12h59
